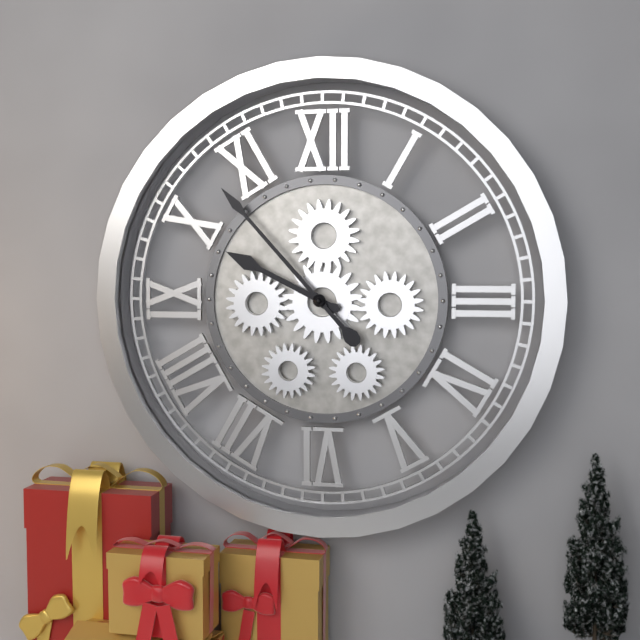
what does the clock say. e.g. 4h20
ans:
9h53
